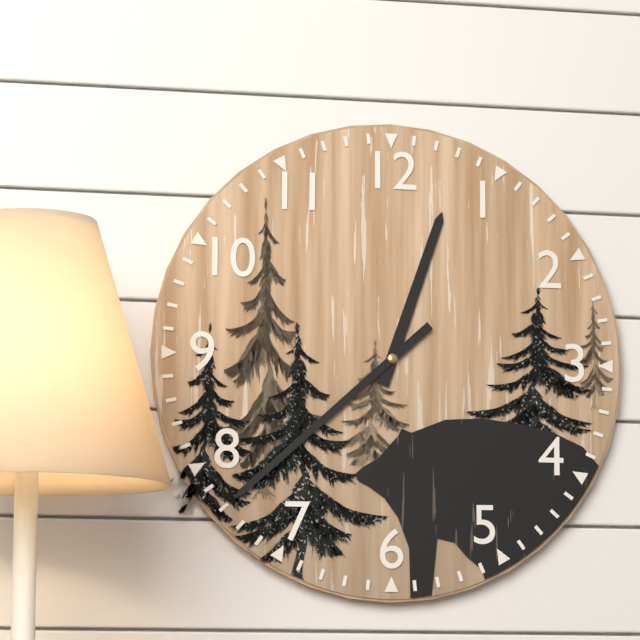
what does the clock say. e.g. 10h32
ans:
12h38
